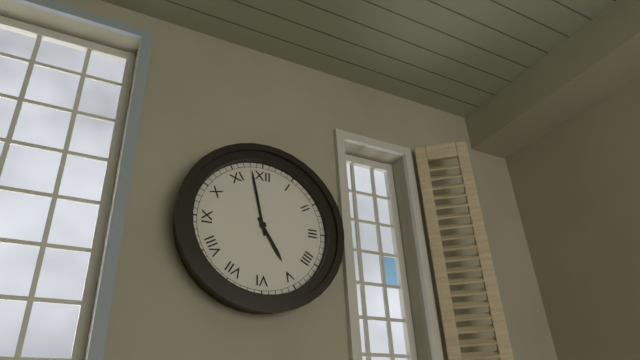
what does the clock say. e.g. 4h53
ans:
4h58
